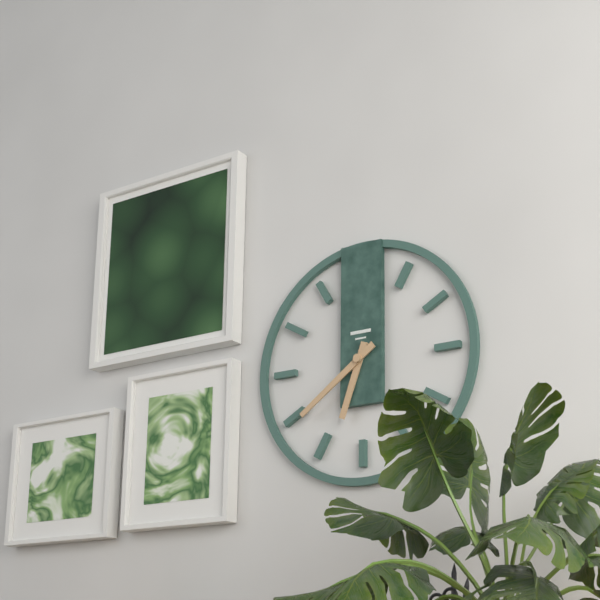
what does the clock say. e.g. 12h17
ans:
6h39
